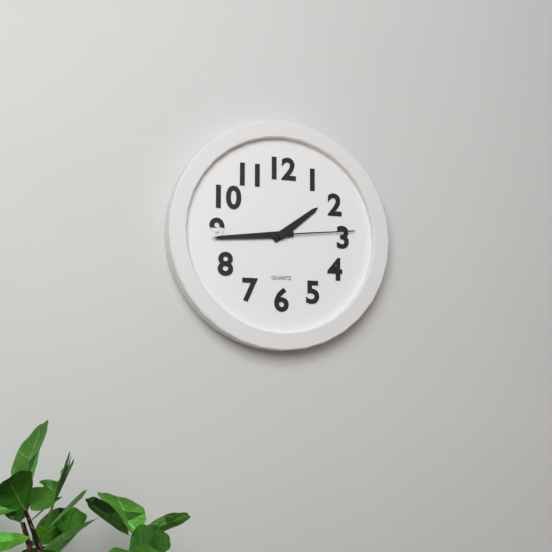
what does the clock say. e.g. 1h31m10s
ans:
1h44m14s
